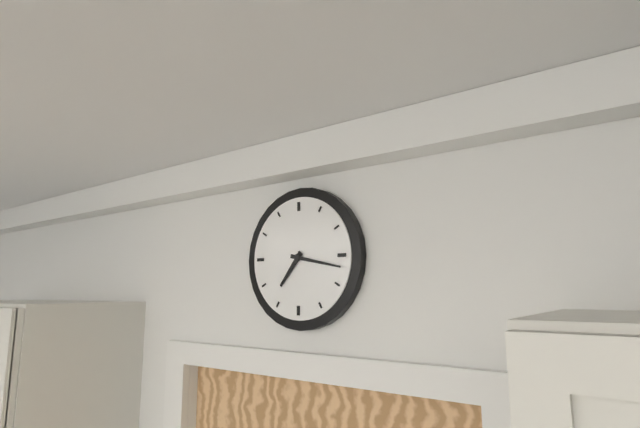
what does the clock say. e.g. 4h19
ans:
7h17
